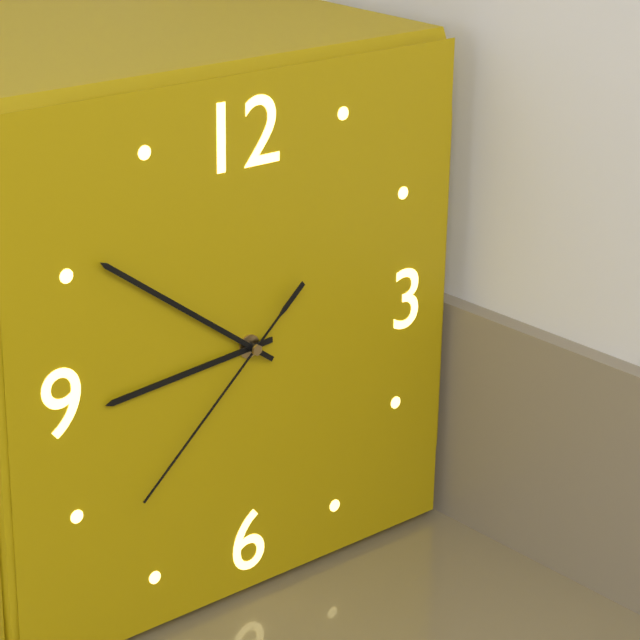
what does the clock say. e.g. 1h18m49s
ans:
8h51m38s
